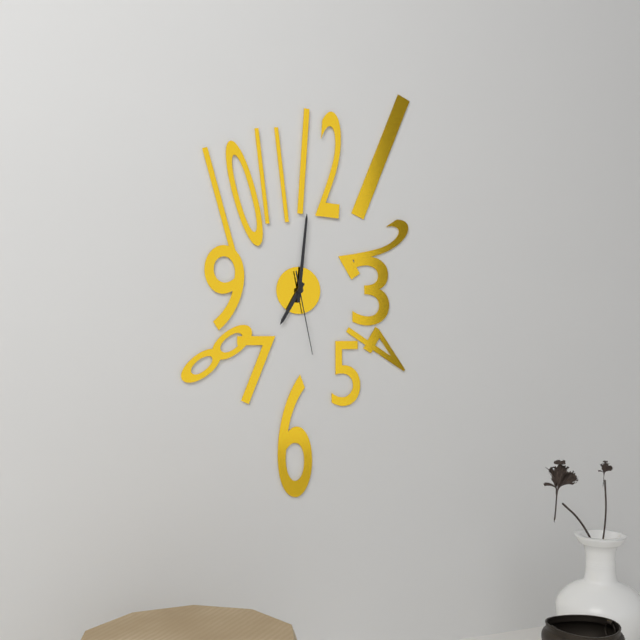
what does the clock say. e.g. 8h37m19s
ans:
7h01m28s
